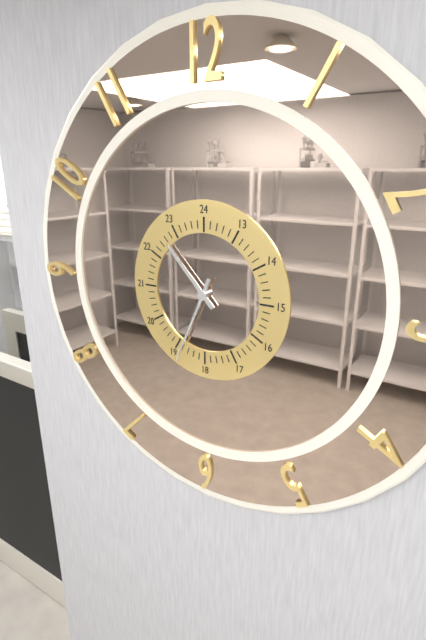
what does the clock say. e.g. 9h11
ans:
10h34
